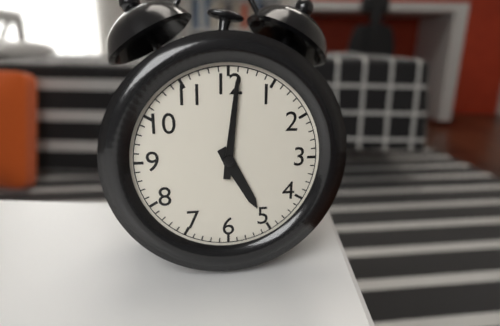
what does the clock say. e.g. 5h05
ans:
5h01
